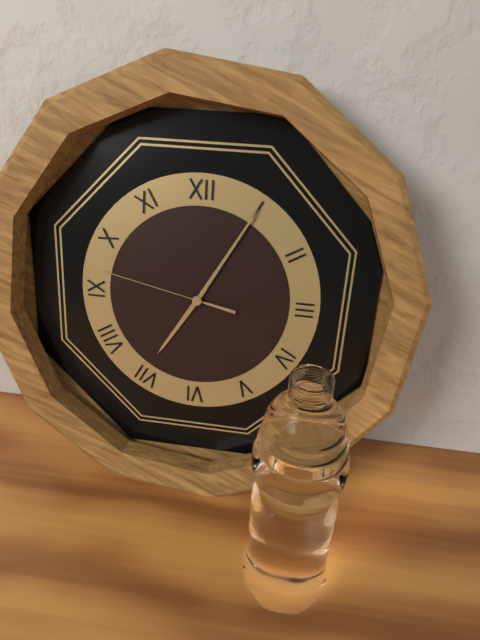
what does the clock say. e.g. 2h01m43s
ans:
7h05m47s
